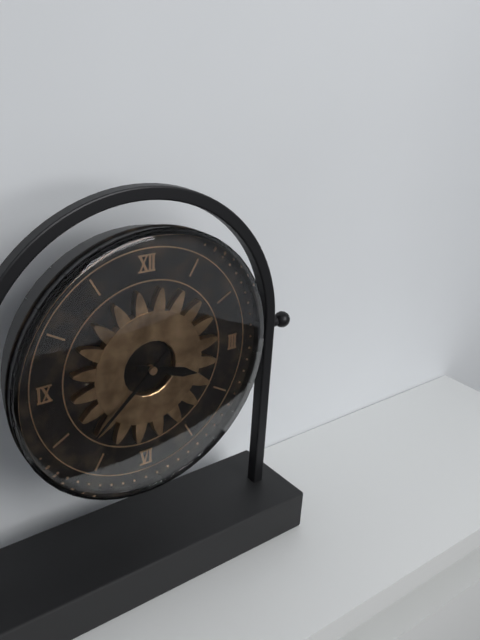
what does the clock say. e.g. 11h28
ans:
3h38
